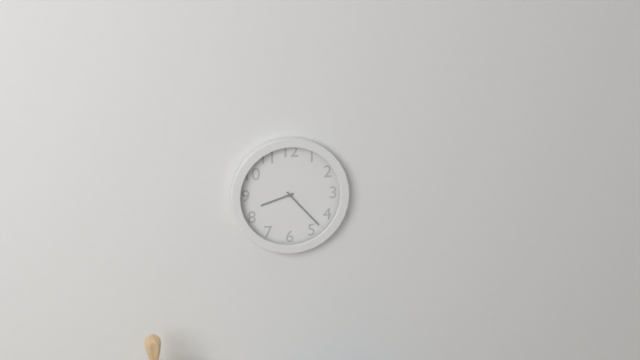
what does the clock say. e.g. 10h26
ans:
8h23
